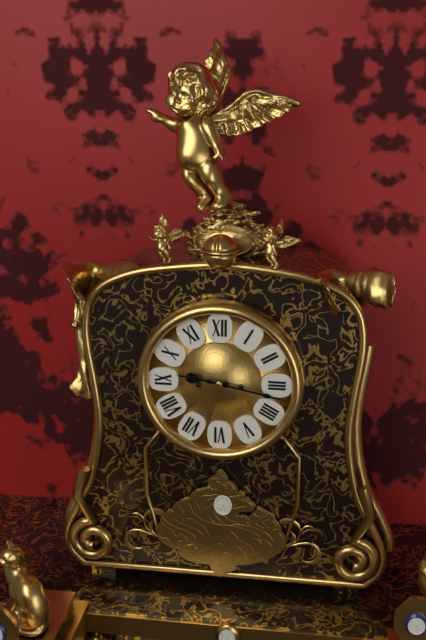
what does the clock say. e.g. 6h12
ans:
9h17
